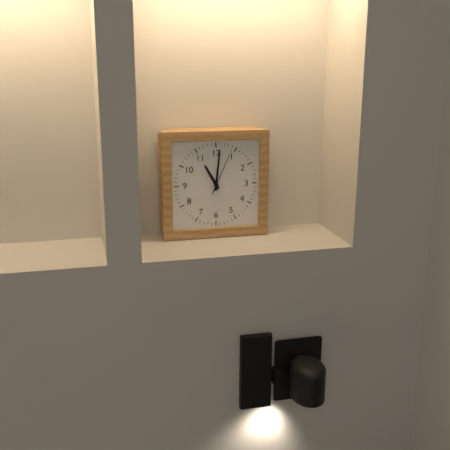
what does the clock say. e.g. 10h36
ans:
11h01
